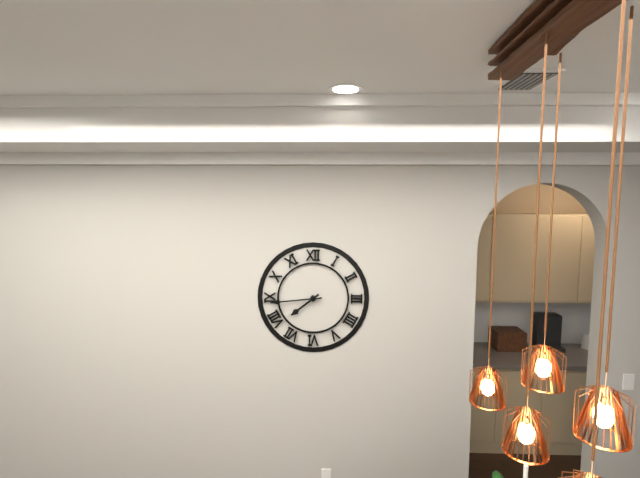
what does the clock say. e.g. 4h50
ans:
7h44
